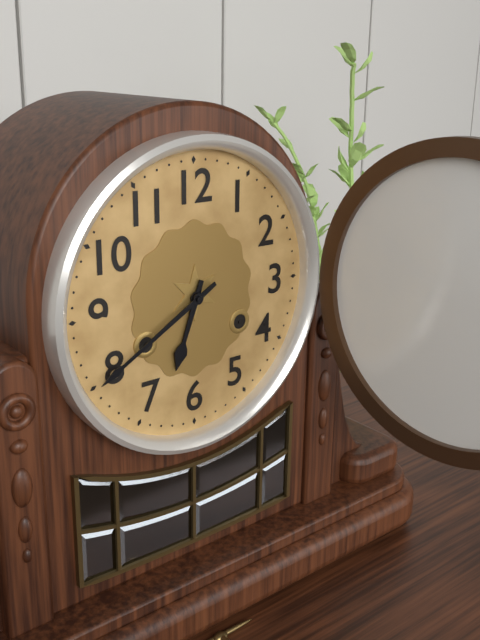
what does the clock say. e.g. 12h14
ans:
6h40
